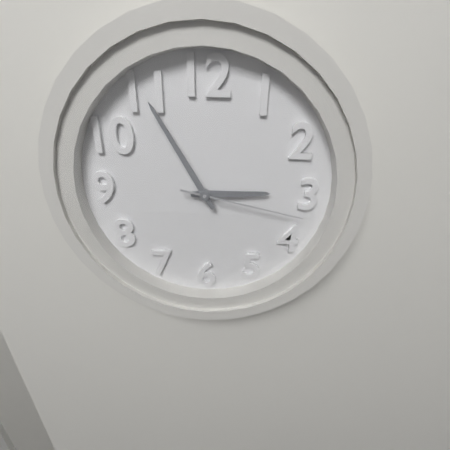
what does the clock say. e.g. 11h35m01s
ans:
2h55m17s
